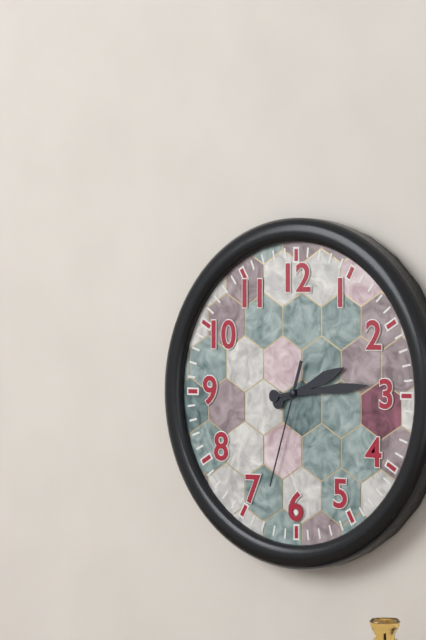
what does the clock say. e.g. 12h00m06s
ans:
2h14m33s
